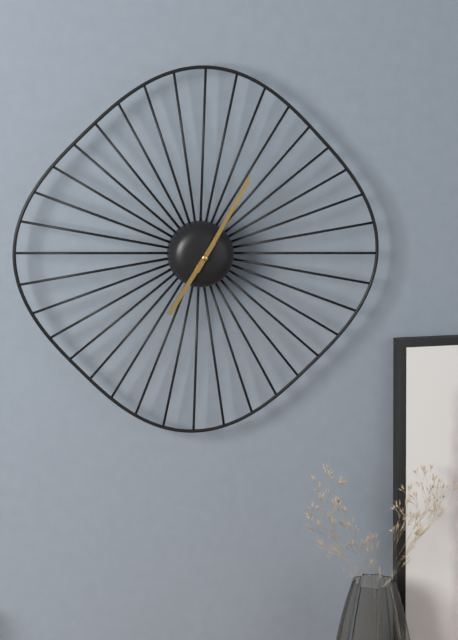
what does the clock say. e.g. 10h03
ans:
7h05
